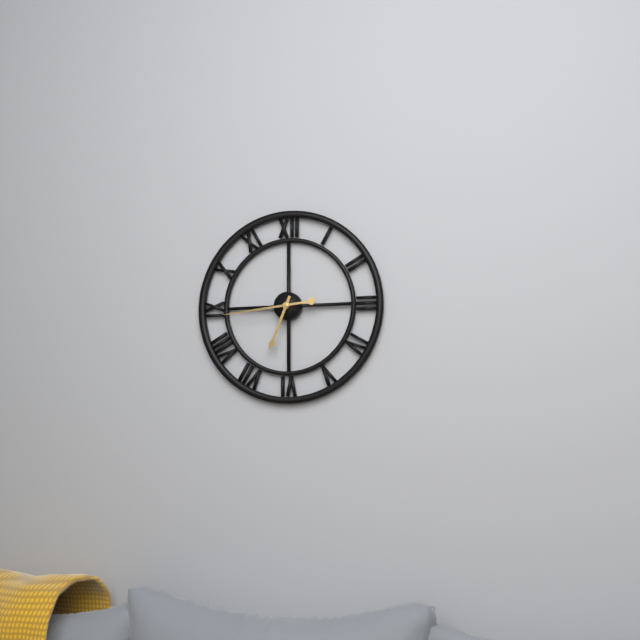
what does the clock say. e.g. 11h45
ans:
6h44
